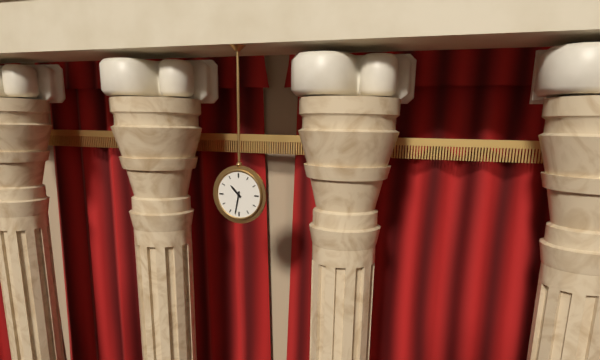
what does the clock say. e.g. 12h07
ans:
10h32
